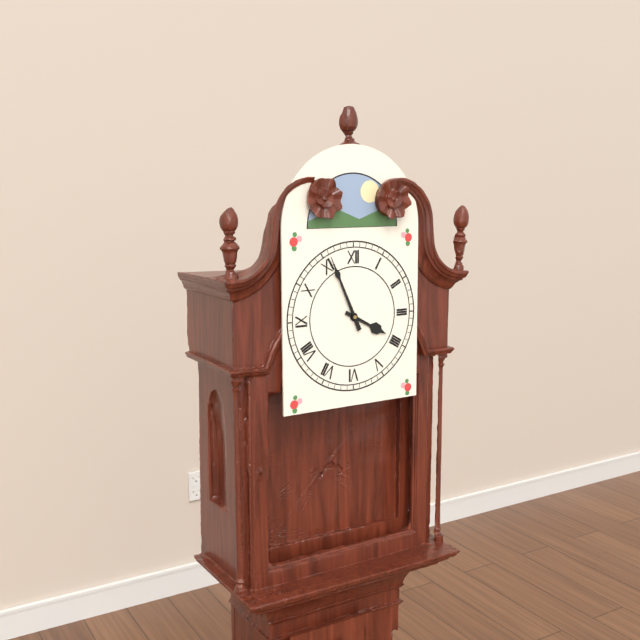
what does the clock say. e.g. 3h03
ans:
3h56
